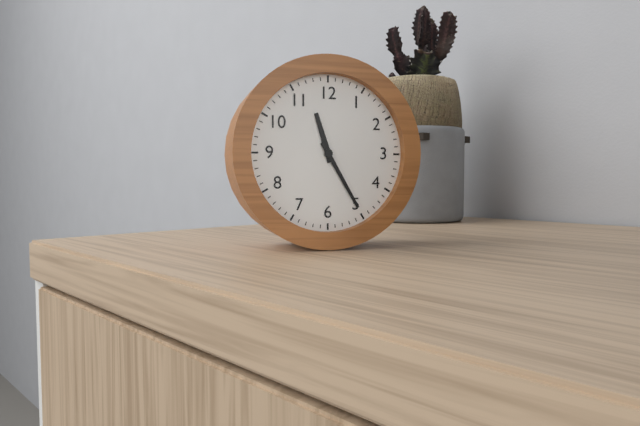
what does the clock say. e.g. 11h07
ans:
11h25
